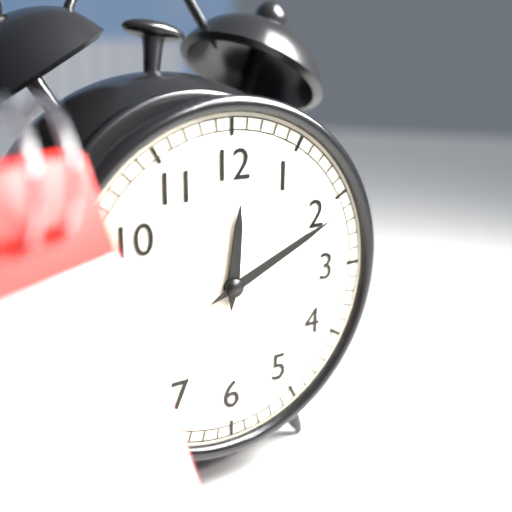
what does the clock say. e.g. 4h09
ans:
12h11
